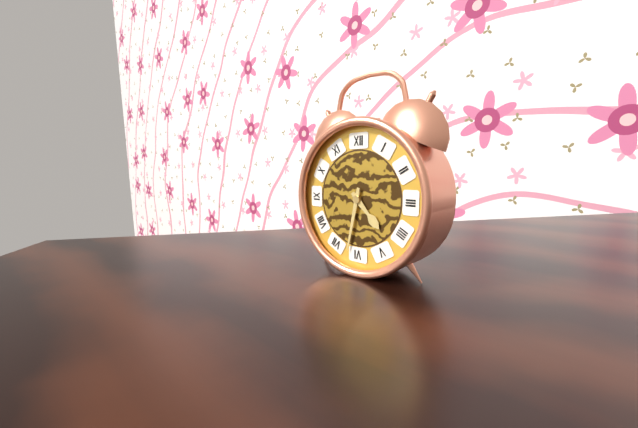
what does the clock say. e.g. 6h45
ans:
4h32
